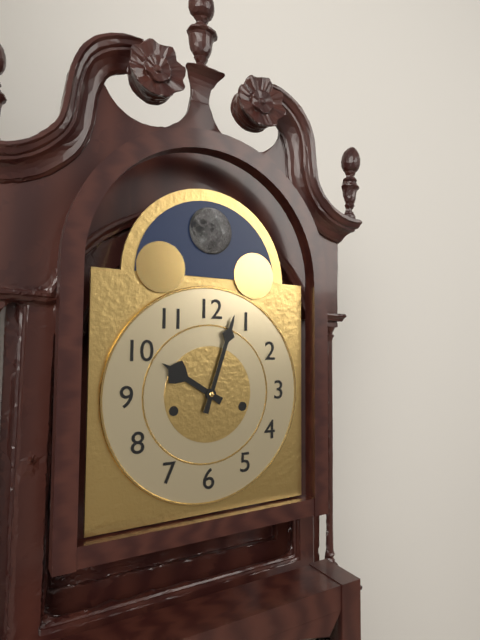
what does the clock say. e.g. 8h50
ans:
10h03
